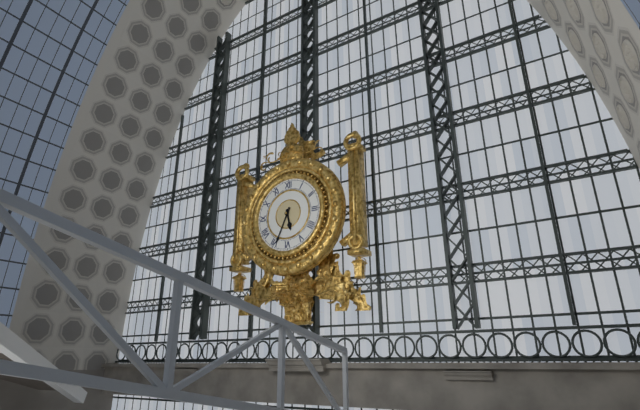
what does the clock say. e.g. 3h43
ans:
5h34
